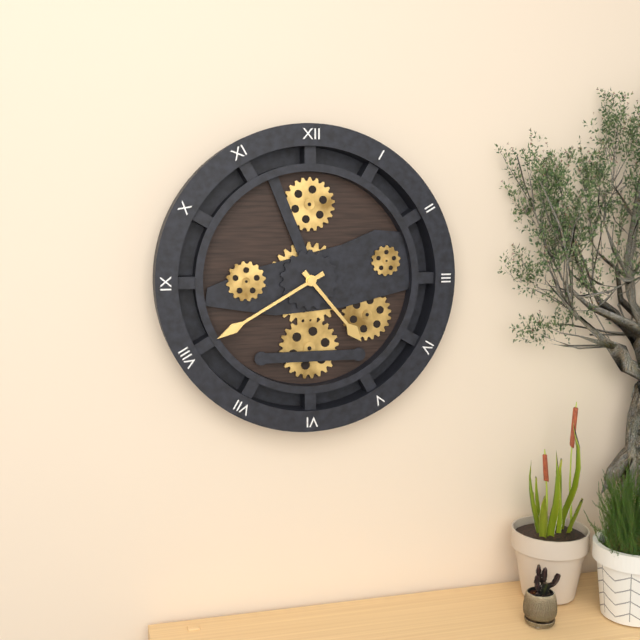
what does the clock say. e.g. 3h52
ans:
4h40
